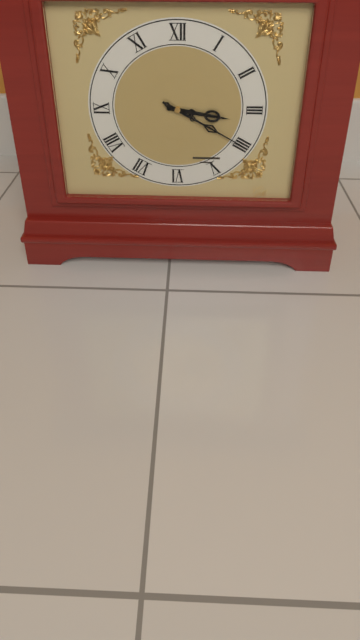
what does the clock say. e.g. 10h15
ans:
3h20
